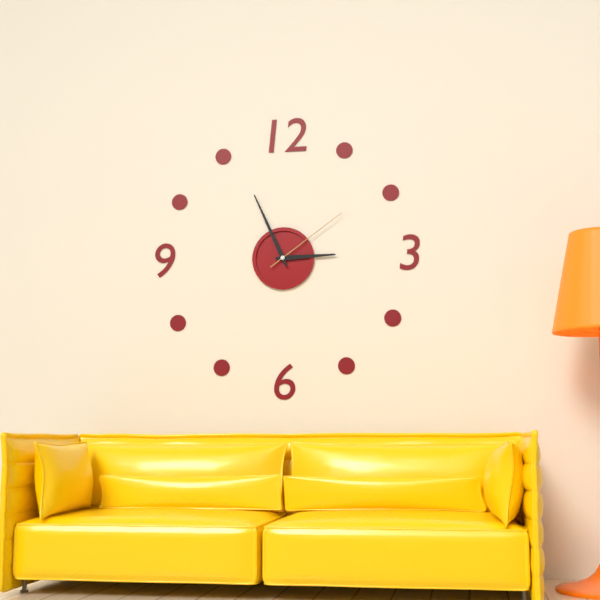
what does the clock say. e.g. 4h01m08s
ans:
2h56m09s
